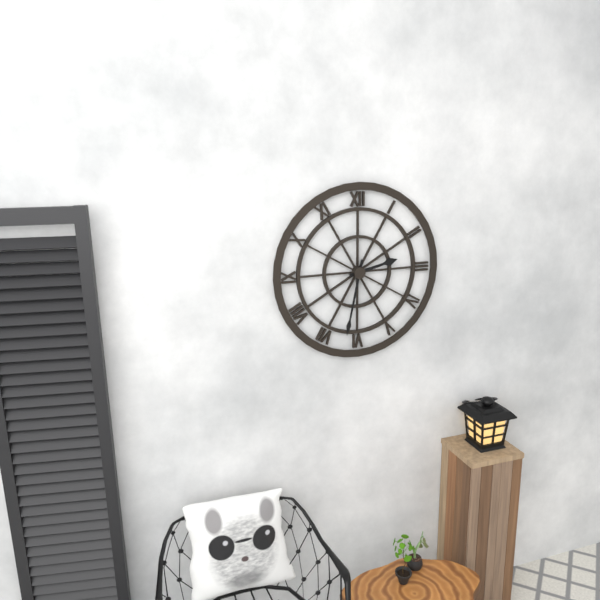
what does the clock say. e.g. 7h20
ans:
2h32
